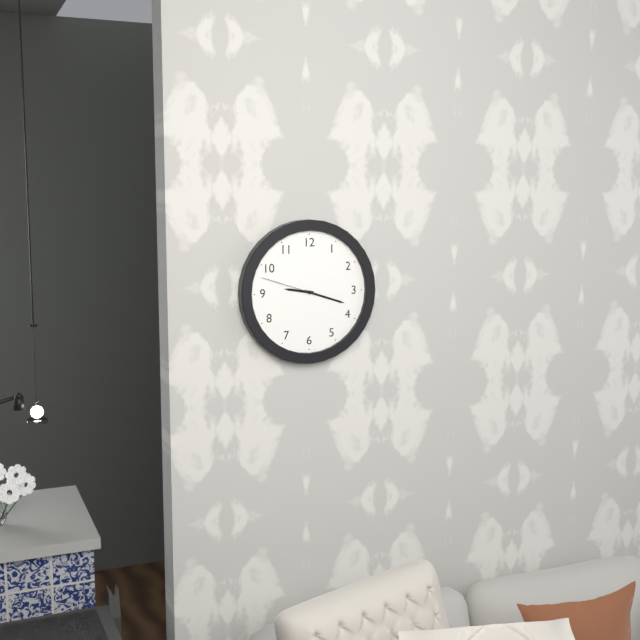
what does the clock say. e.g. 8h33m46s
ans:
9h18m48s
